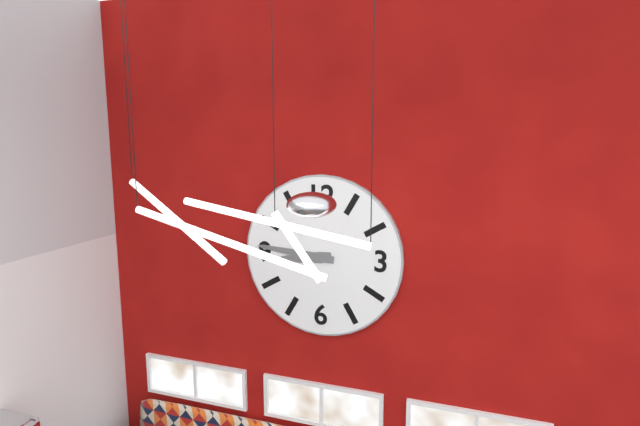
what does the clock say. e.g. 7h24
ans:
8h46
